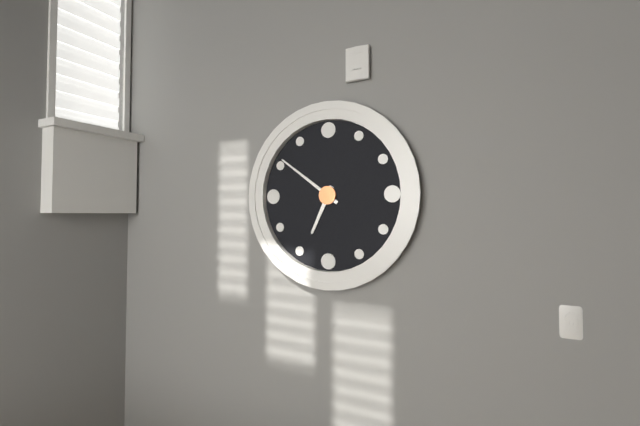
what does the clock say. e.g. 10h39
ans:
6h51
